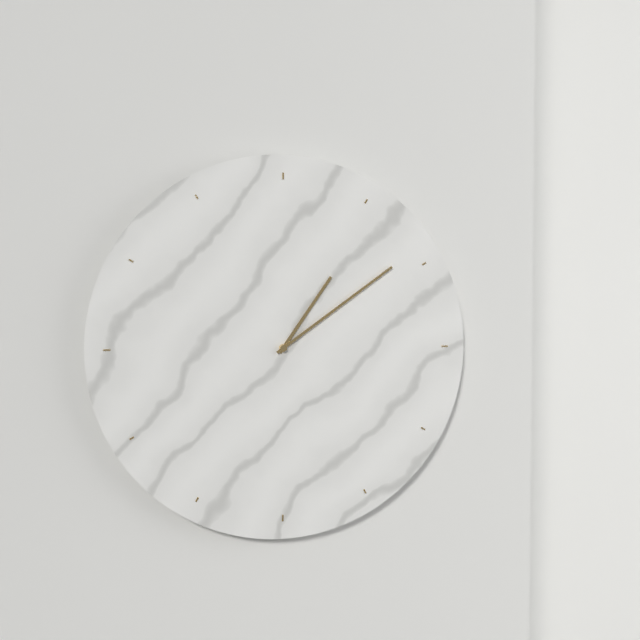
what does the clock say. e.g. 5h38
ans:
1h09
